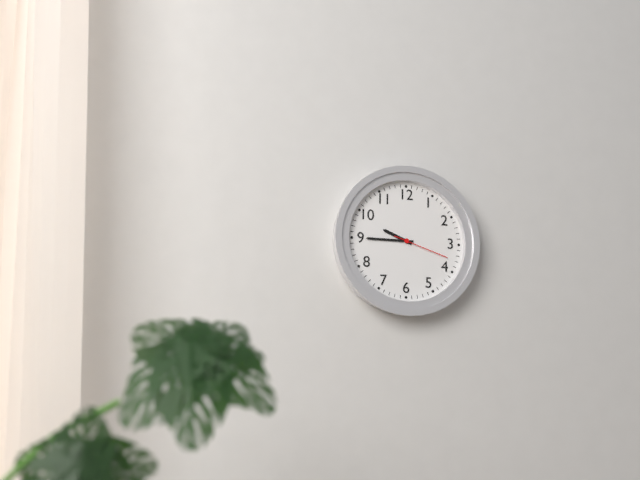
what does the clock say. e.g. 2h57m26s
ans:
9h45m18s
